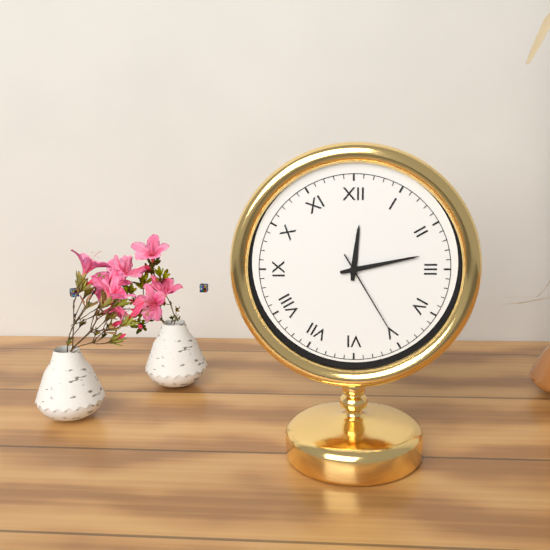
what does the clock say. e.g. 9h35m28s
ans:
12h13m25s
